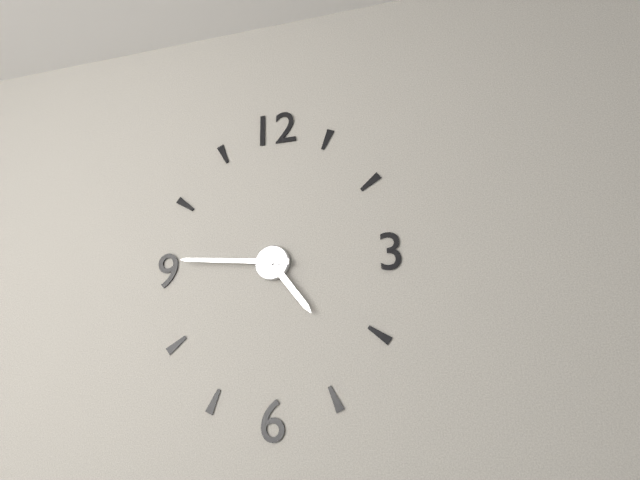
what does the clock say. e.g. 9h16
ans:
4h46
